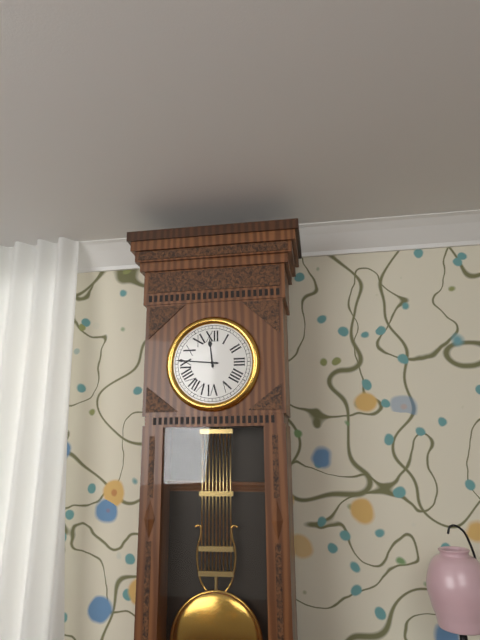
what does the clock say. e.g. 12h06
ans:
11h46
